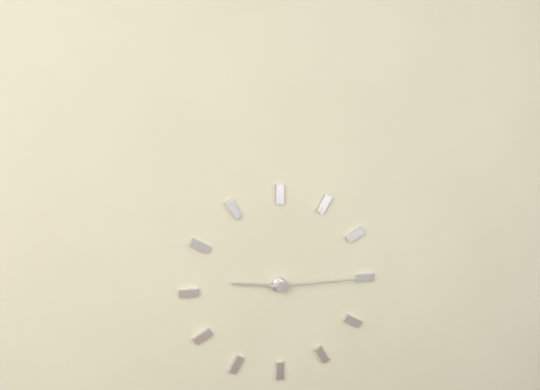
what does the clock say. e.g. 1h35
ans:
9h15
